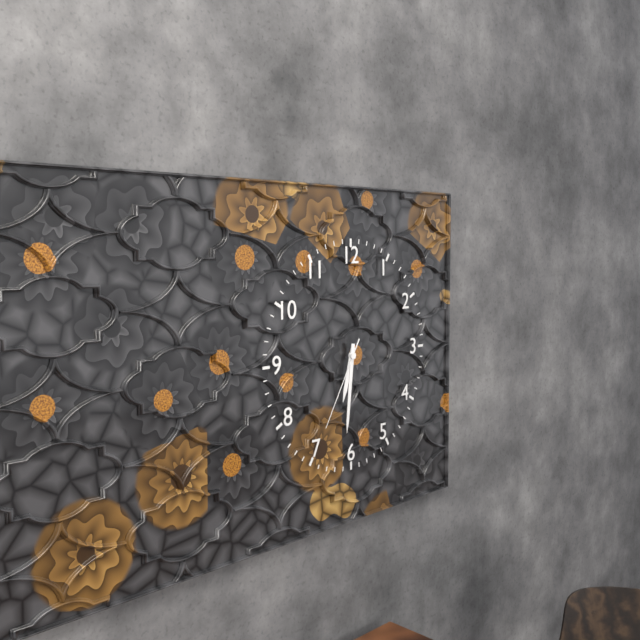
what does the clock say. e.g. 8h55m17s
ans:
6h31m35s
